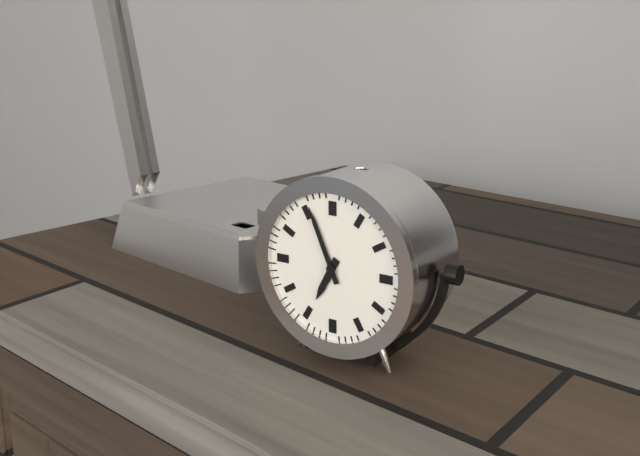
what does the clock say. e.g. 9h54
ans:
6h56
